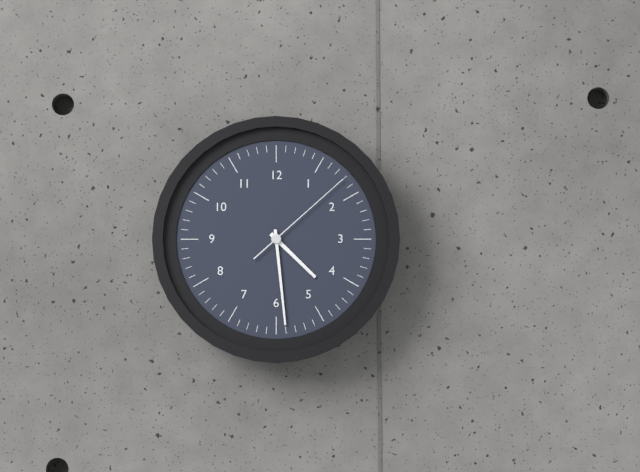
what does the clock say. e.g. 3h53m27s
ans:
4h29m08s
